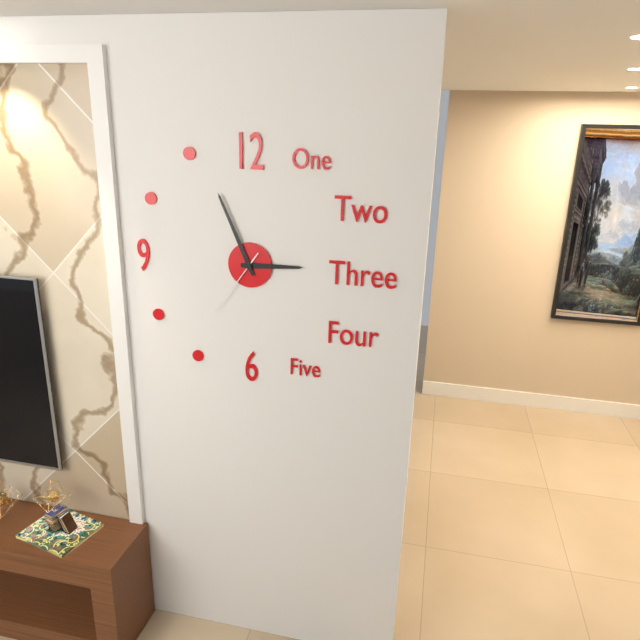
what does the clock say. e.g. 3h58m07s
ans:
2h56m36s
